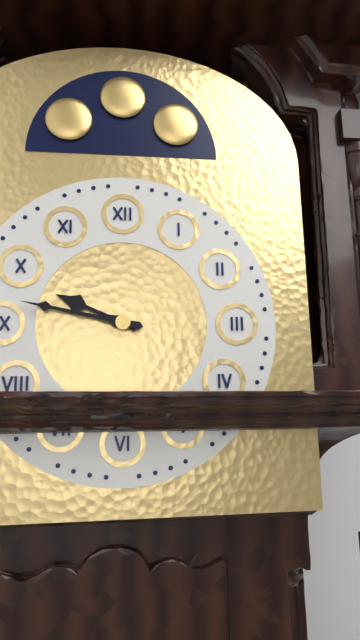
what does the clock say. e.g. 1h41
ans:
9h47
